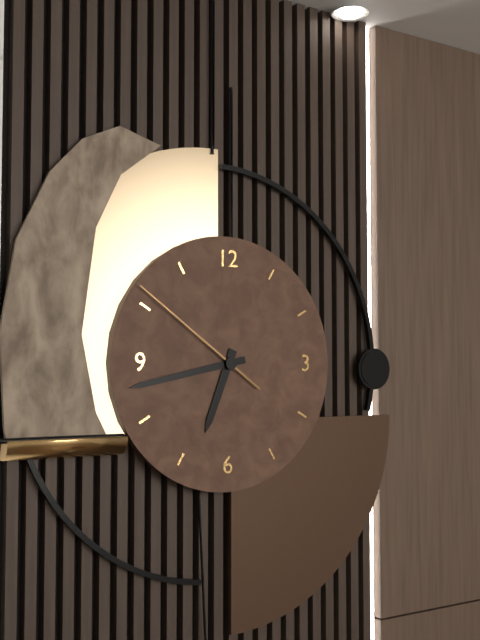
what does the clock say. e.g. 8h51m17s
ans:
6h43m51s
